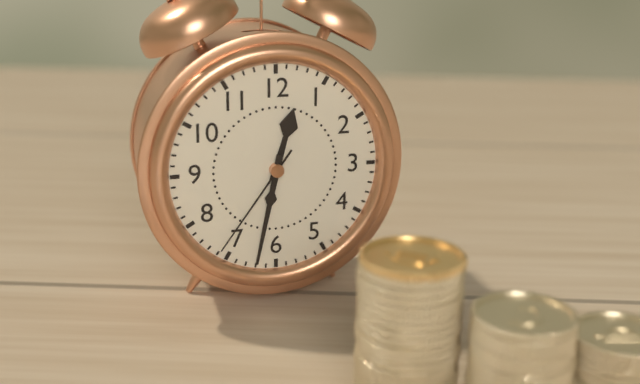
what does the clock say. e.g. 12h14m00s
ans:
12h32m36s
